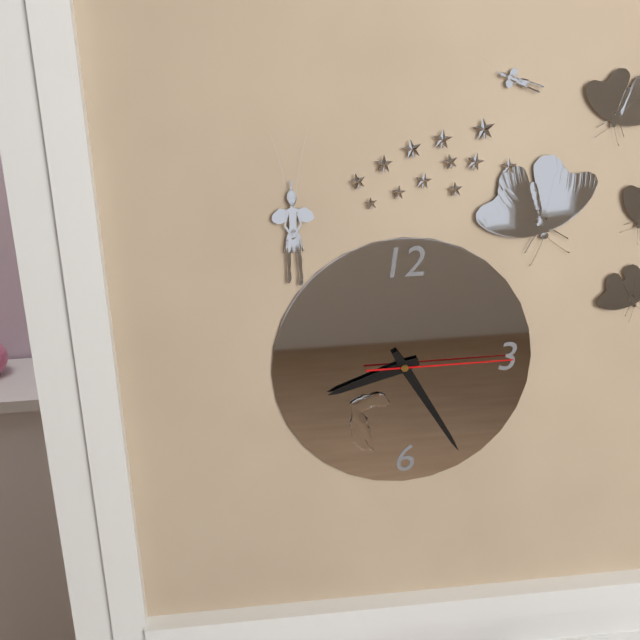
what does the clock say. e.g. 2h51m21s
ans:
8h25m15s
